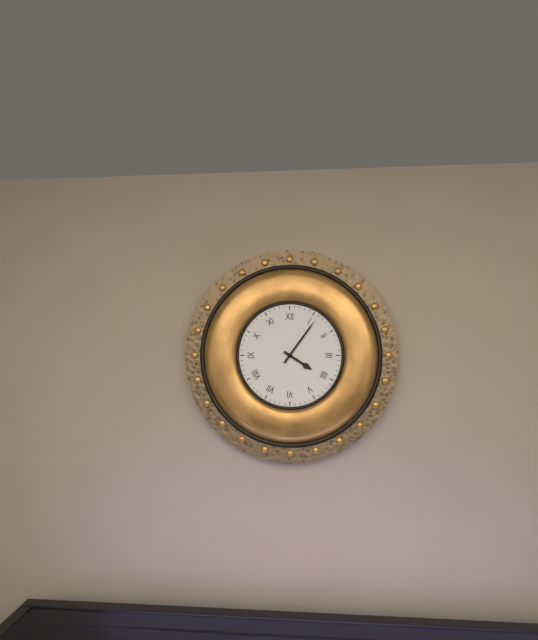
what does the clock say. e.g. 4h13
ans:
4h06
